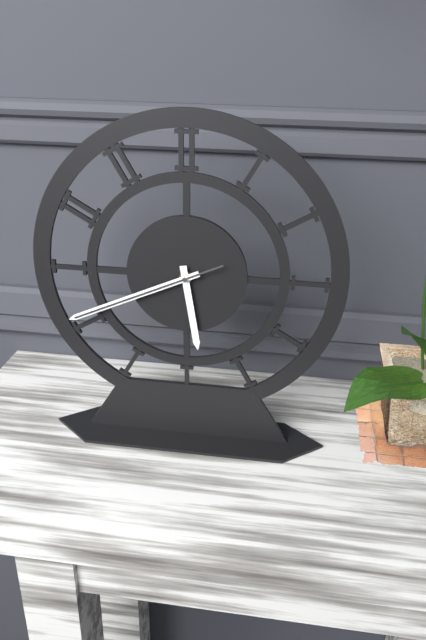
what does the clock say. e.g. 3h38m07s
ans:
5h41m41s
